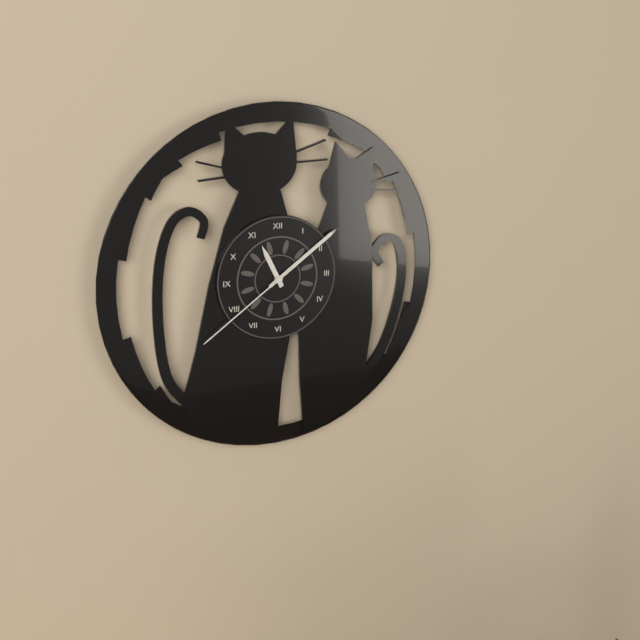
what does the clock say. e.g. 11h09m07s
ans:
11h09m39s
